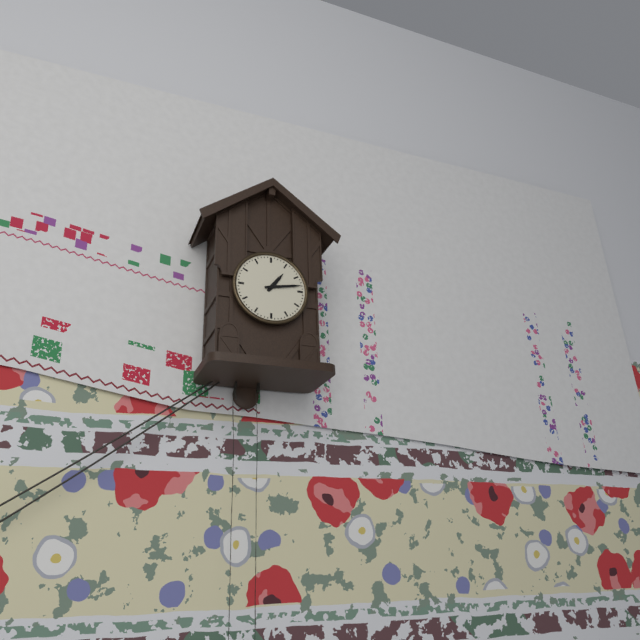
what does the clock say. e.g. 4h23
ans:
1h13
